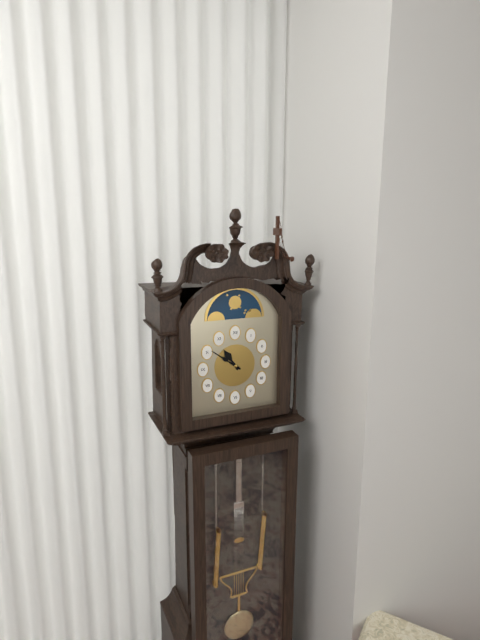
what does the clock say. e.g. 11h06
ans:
10h51
